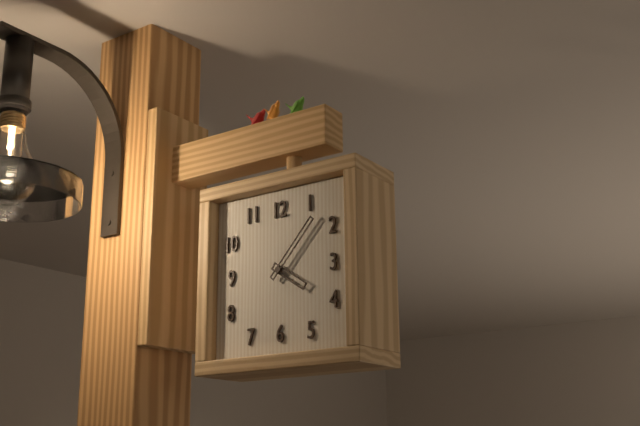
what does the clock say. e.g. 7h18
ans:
4h07
